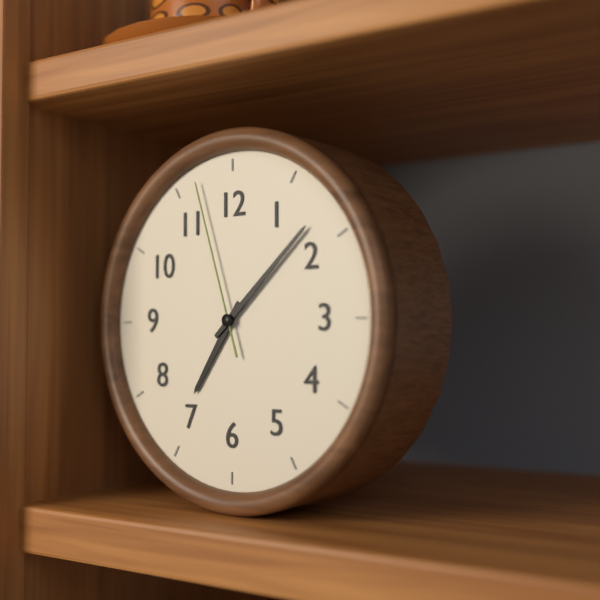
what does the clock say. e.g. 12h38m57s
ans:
7h08m57s
